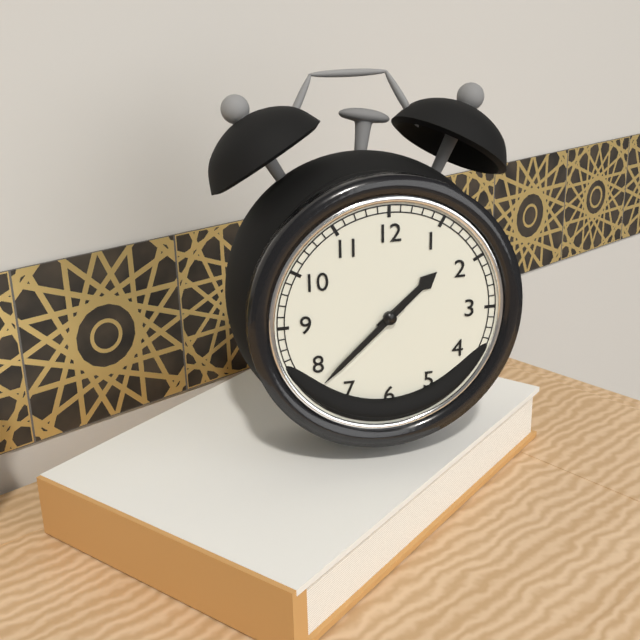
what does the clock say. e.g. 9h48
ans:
1h38
